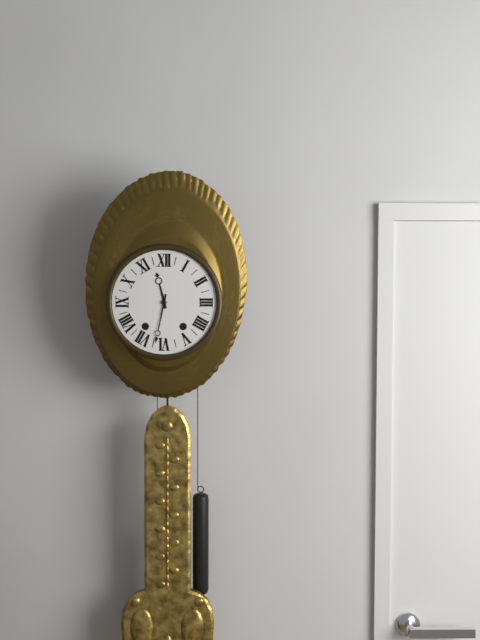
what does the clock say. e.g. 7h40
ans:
11h32
